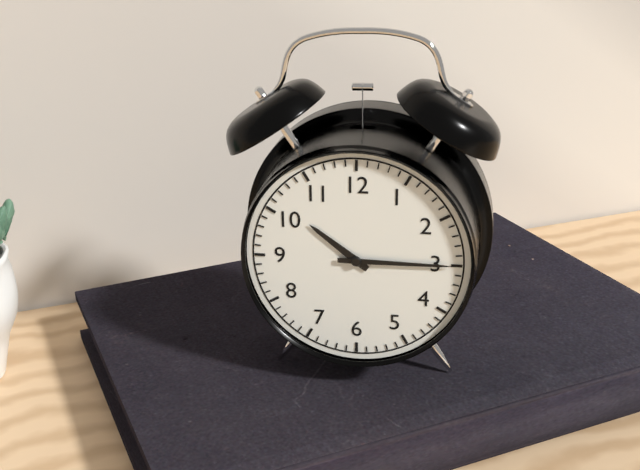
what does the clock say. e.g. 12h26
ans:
10h15
